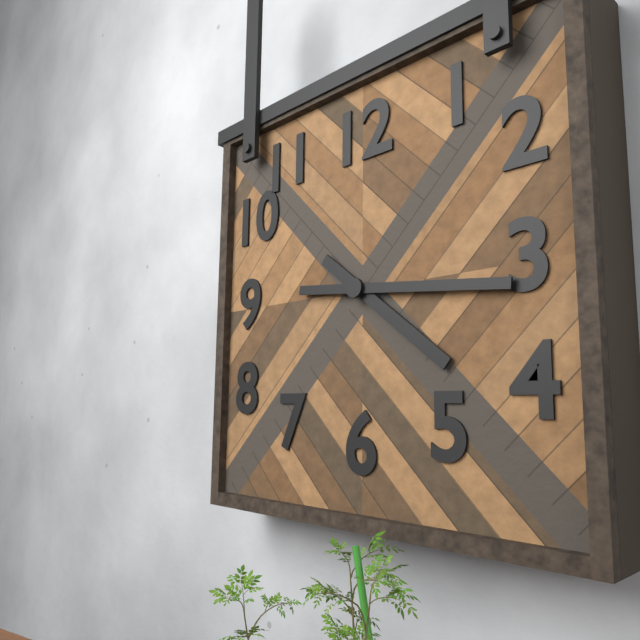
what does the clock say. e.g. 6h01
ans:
4h16
